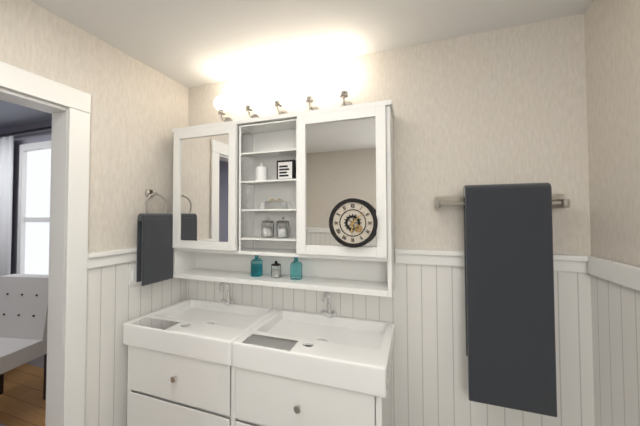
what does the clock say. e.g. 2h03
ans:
6h08
